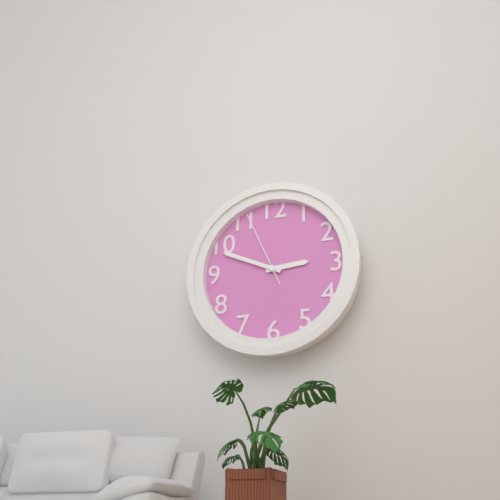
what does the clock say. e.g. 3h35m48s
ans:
2h49m56s
